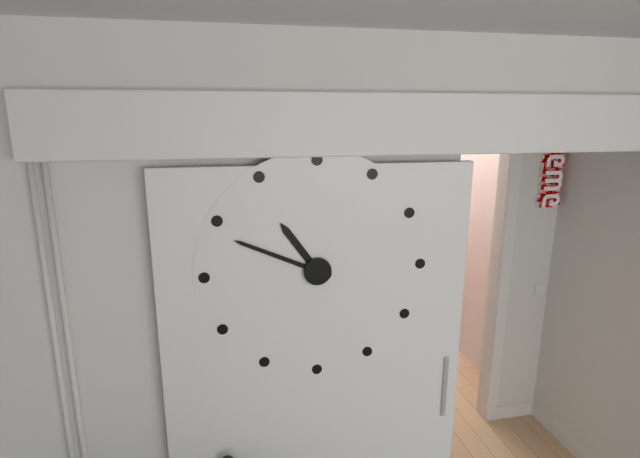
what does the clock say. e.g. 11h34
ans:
10h49
